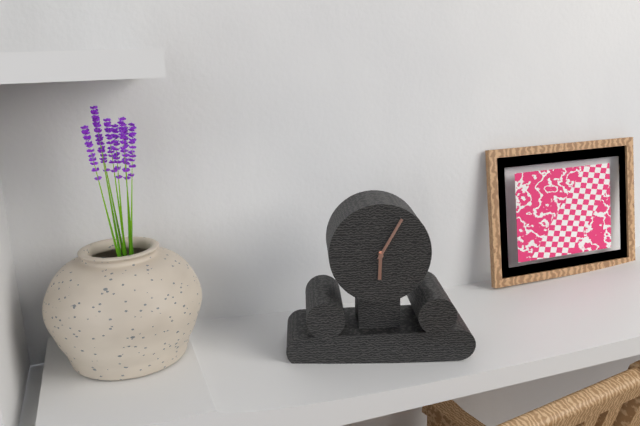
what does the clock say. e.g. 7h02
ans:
6h05
